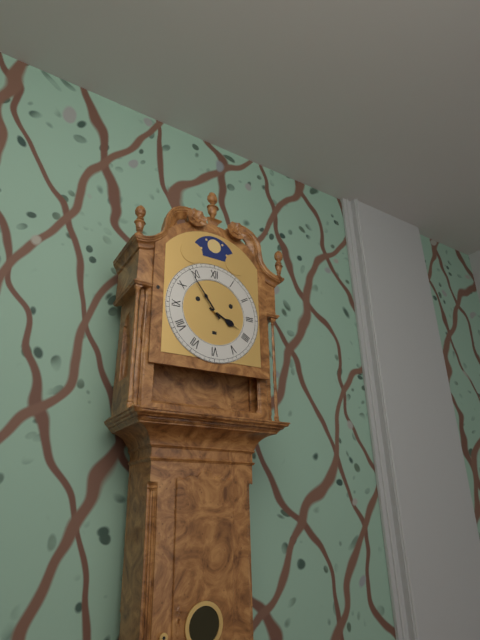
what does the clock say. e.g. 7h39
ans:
3h54
